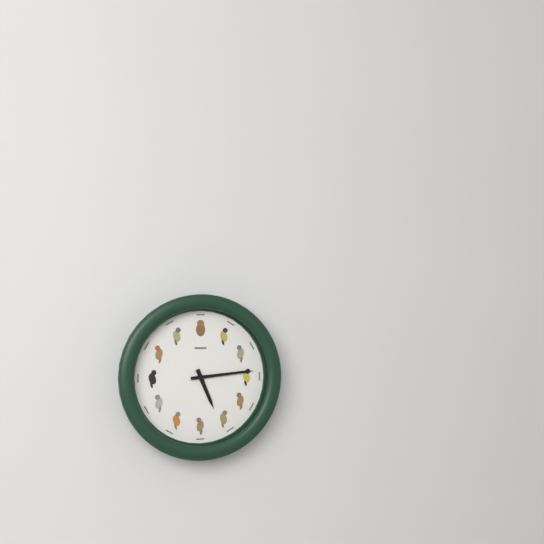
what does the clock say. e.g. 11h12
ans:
5h14
